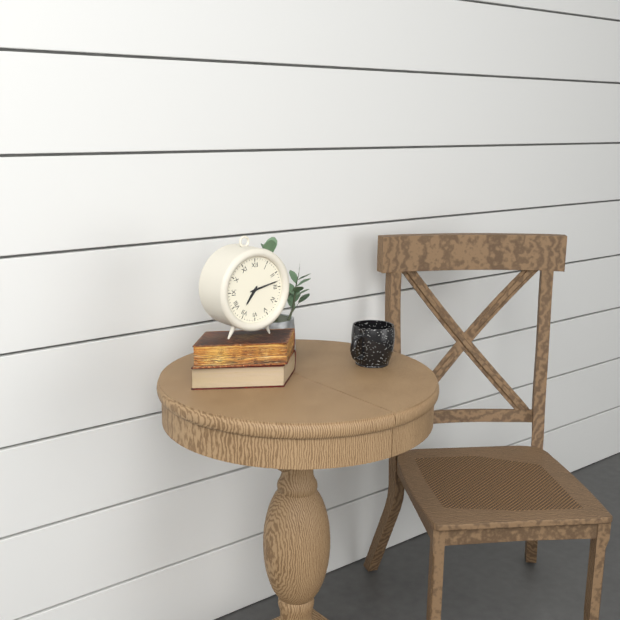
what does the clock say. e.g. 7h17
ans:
7h13
